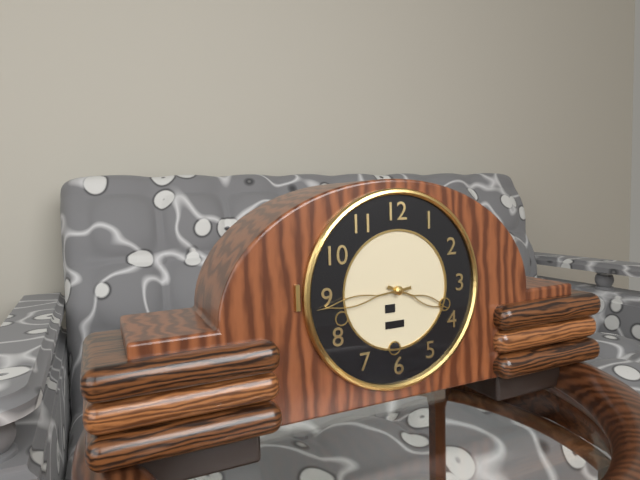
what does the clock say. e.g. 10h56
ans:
3h44
